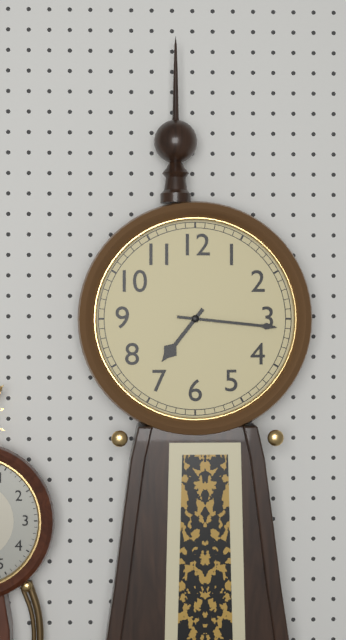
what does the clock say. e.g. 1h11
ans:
7h16
